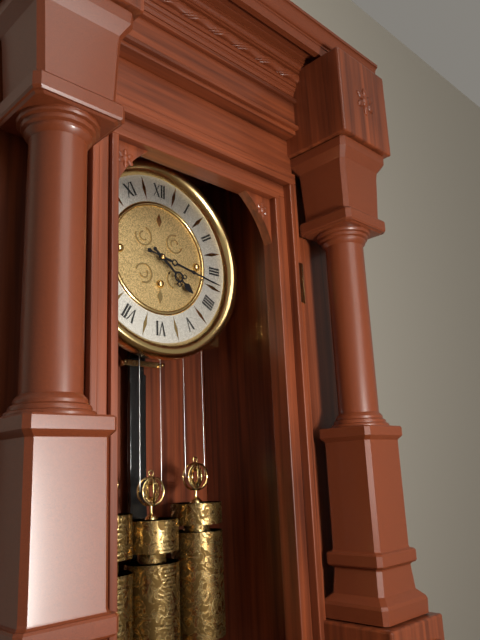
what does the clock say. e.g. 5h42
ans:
4h17
